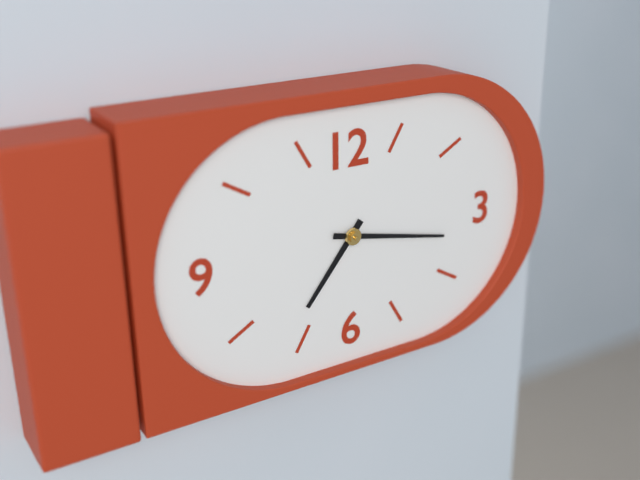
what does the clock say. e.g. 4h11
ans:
7h17
